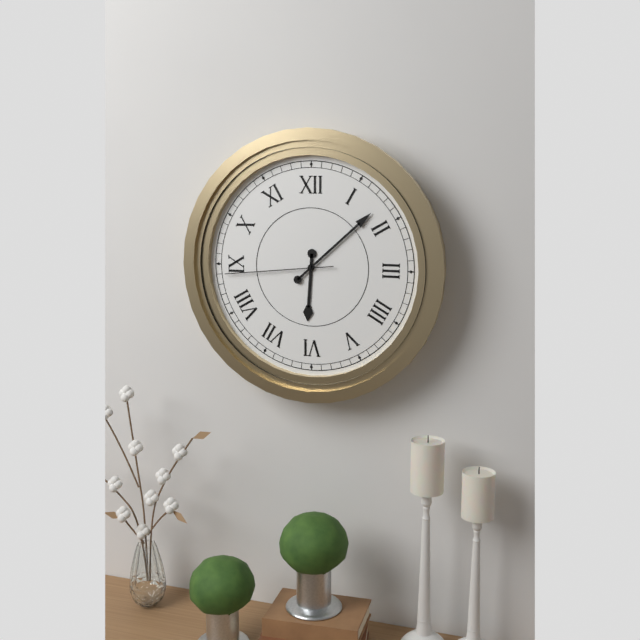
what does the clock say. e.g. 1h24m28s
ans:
6h08m44s
